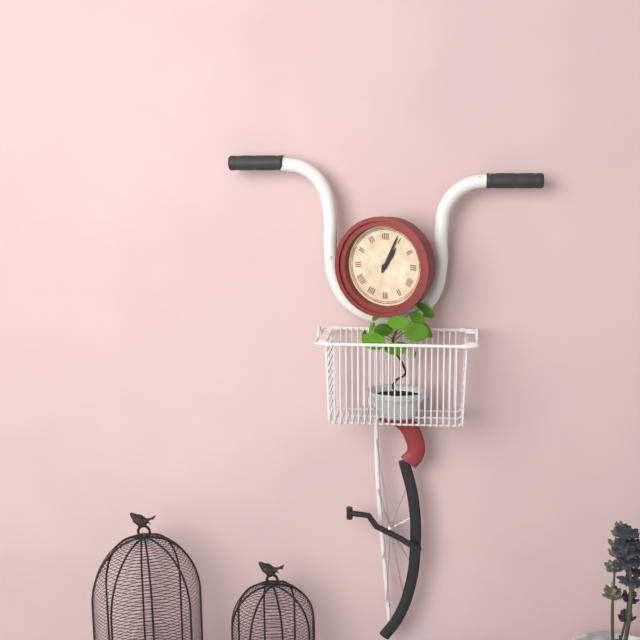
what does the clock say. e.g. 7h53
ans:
1h04
